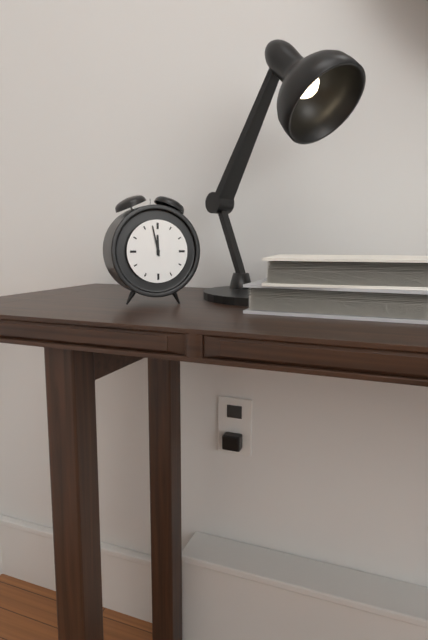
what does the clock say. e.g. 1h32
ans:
11h58
